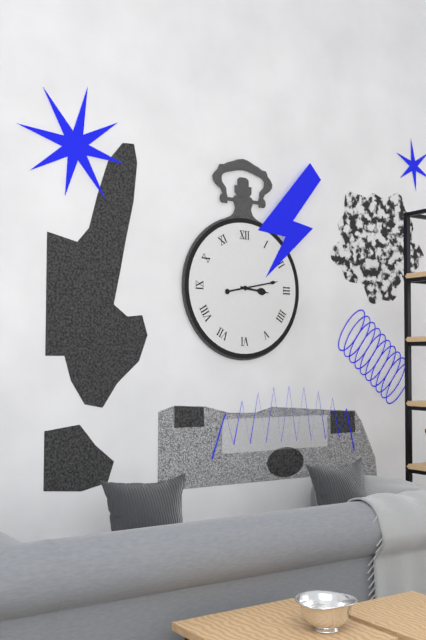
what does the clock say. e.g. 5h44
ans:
3h13
